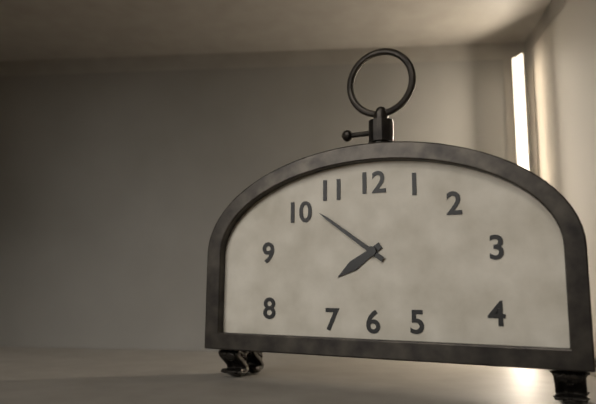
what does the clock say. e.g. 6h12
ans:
7h51
